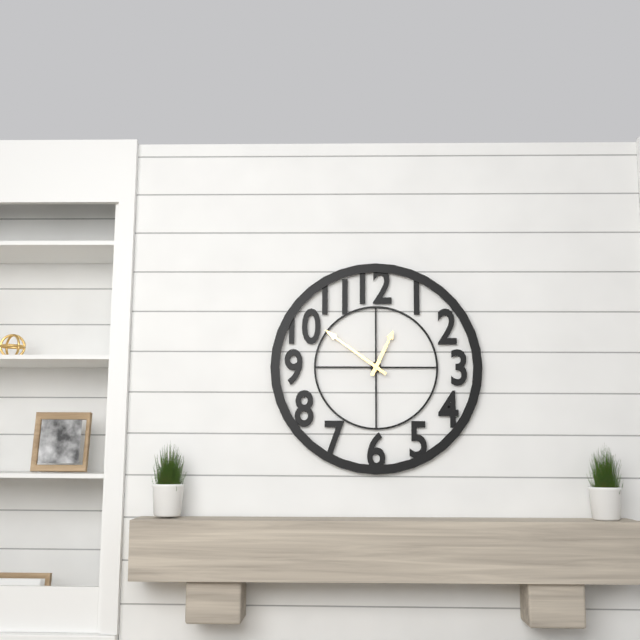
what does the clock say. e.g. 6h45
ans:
12h51
